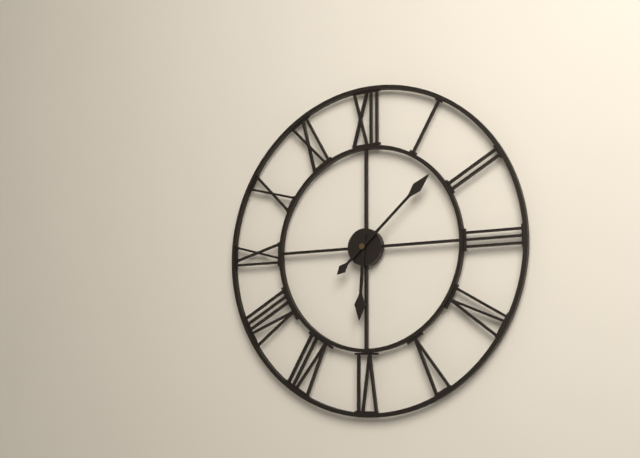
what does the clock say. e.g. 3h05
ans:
6h08
